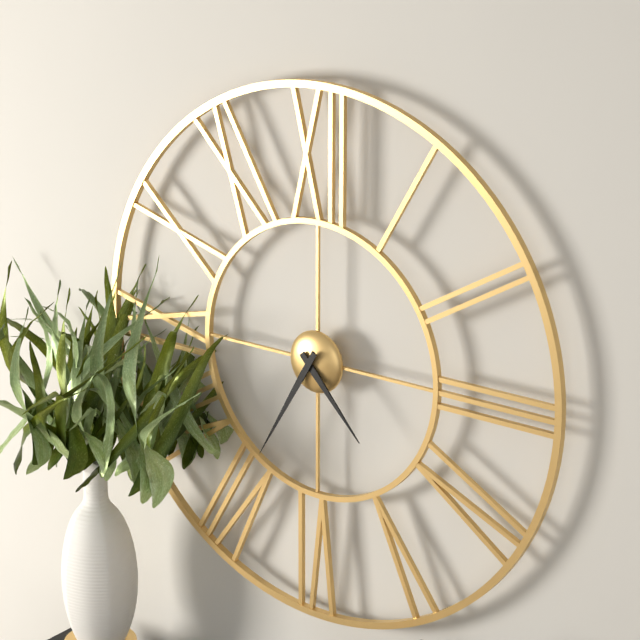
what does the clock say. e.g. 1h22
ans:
4h35
